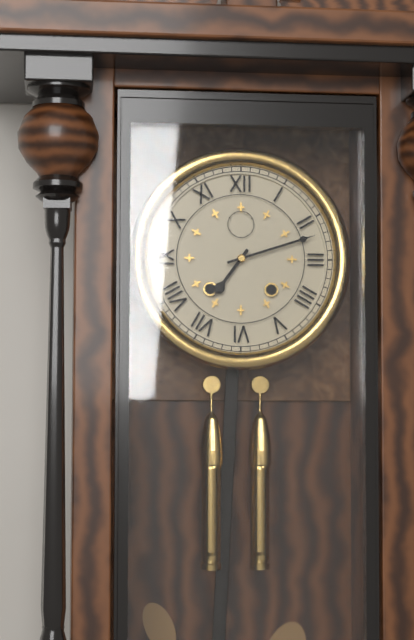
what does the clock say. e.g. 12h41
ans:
7h12
